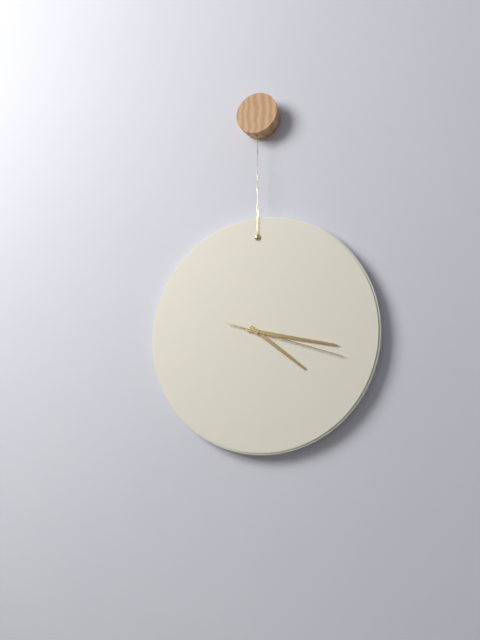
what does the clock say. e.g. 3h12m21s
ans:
4h17m18s
